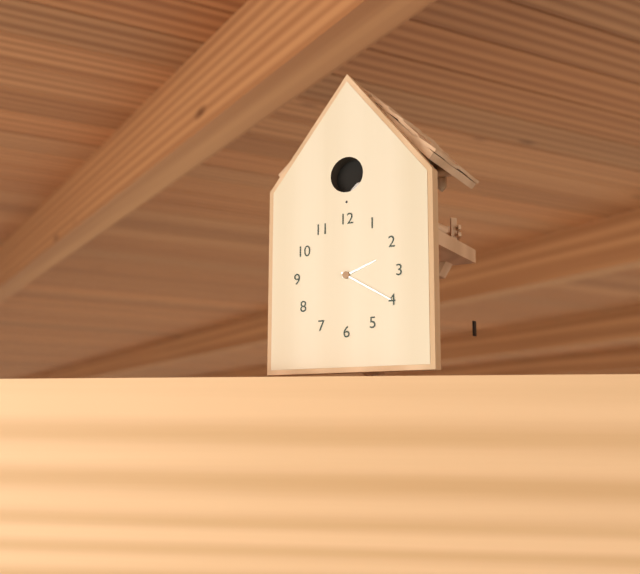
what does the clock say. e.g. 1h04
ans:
2h20
